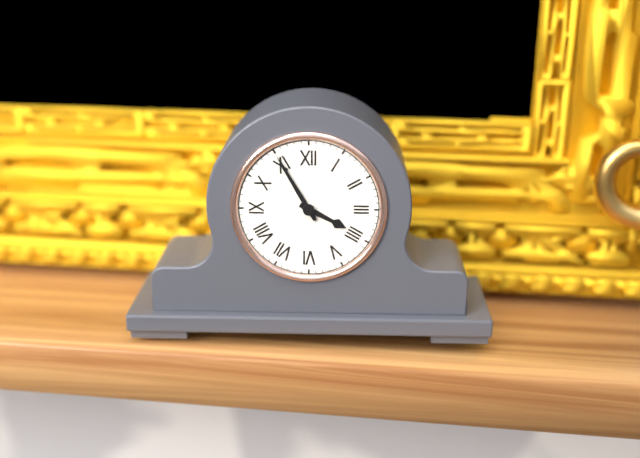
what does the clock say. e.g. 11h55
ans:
3h55
